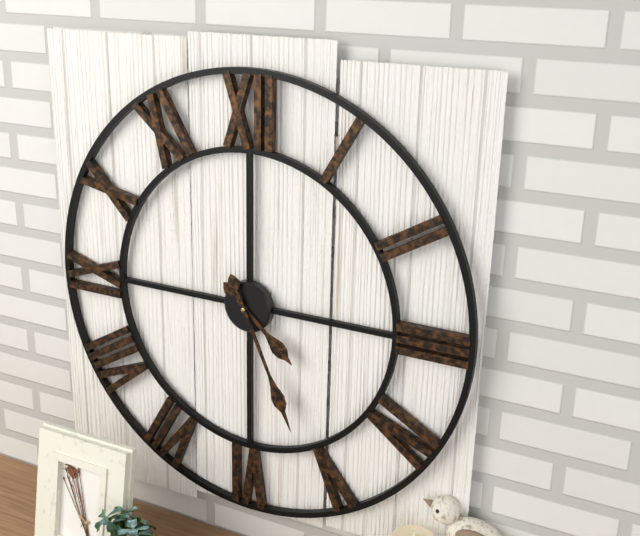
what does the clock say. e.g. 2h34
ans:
4h26
